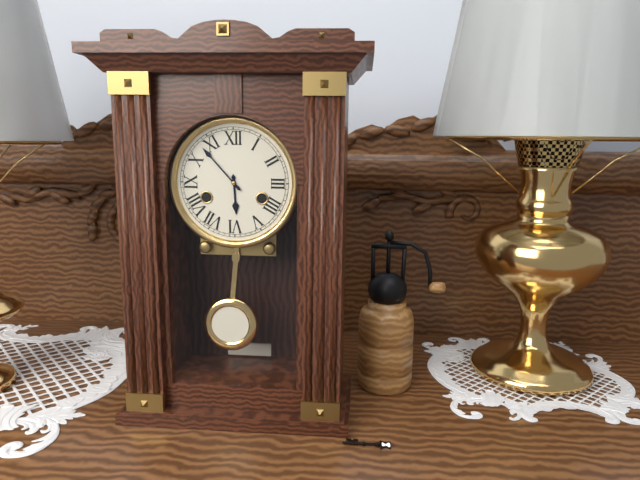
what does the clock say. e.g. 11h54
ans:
5h53
